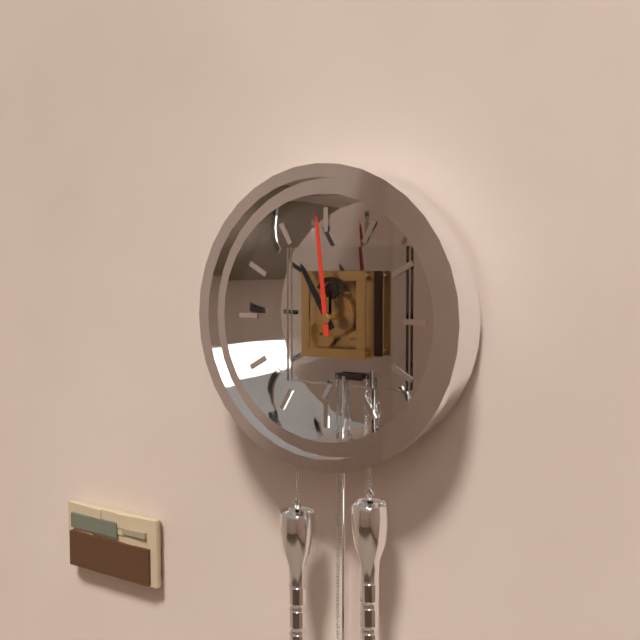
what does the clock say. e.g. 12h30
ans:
10h59
